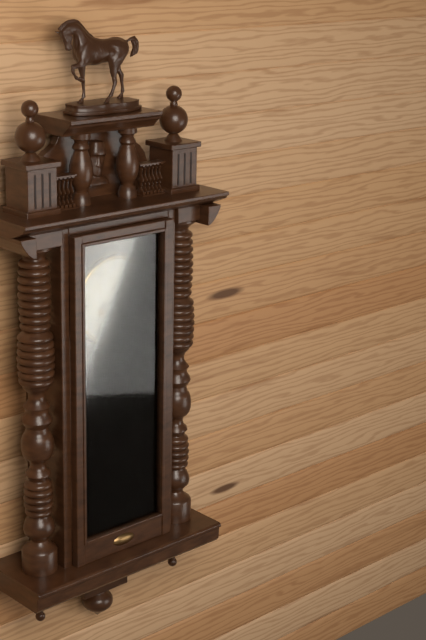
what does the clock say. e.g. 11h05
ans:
8h23
